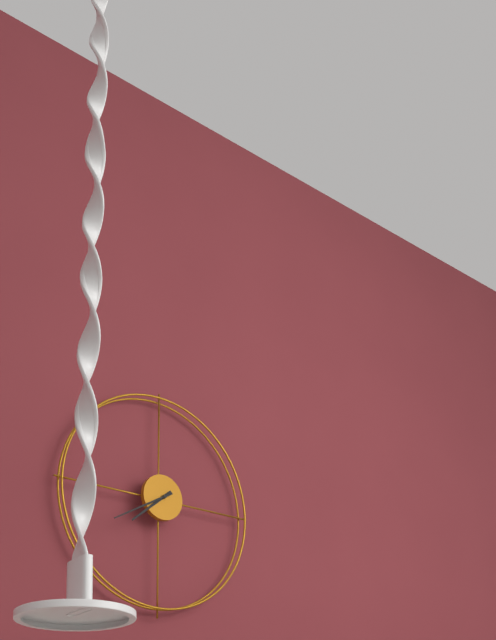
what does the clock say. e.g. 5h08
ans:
7h40
